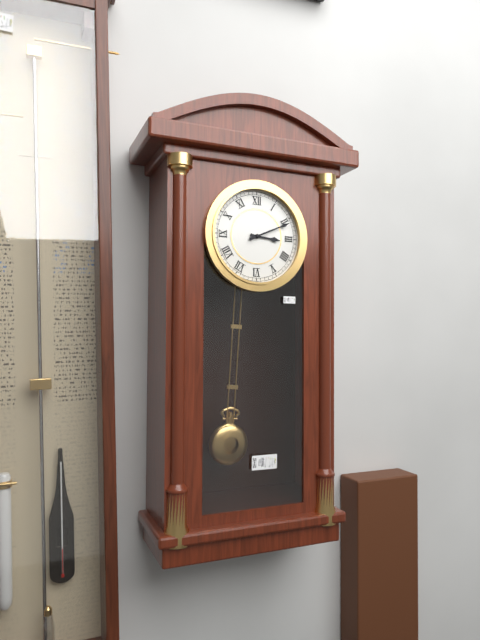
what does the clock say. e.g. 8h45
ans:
3h11
